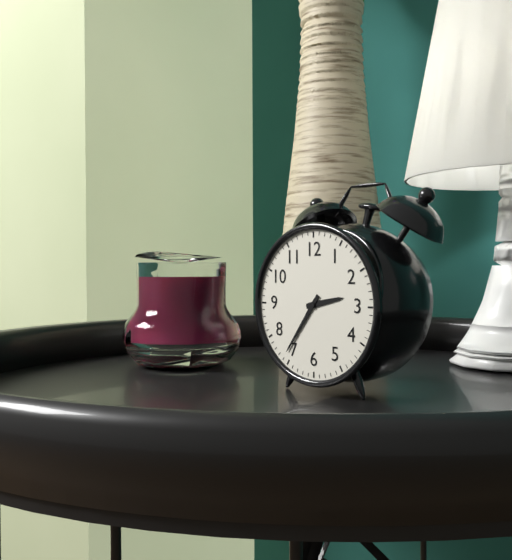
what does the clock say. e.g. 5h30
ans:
2h36
